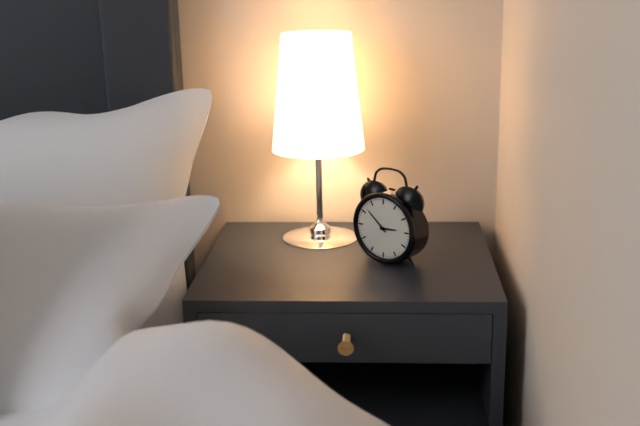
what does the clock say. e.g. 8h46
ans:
2h52
